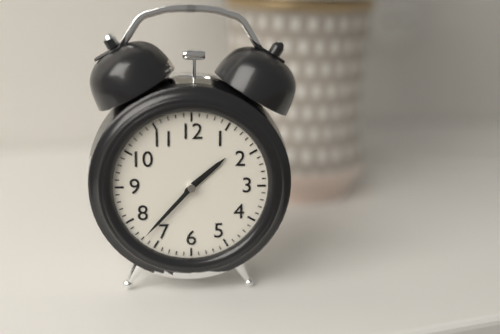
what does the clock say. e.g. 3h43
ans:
1h37
